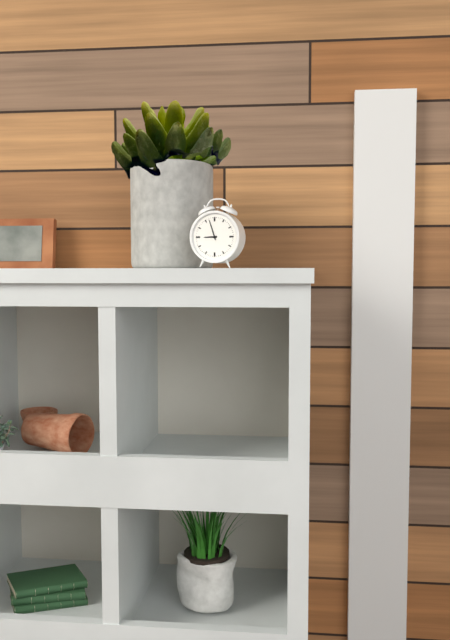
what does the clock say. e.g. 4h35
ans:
8h57
